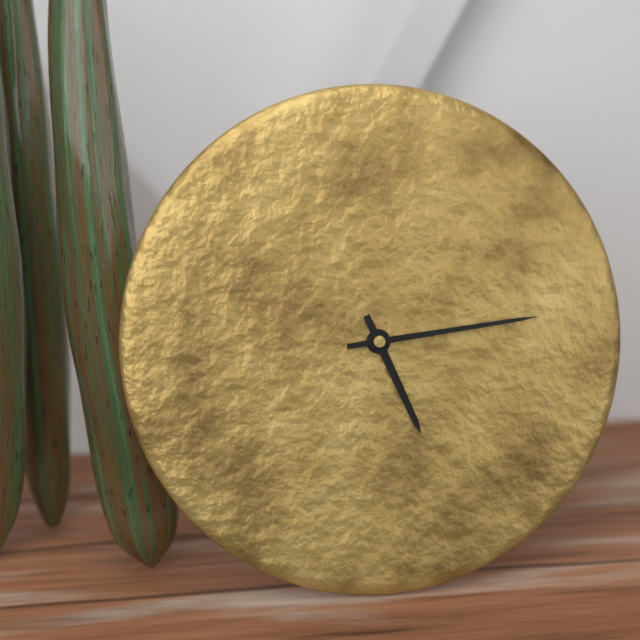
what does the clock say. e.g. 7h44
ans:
5h14
